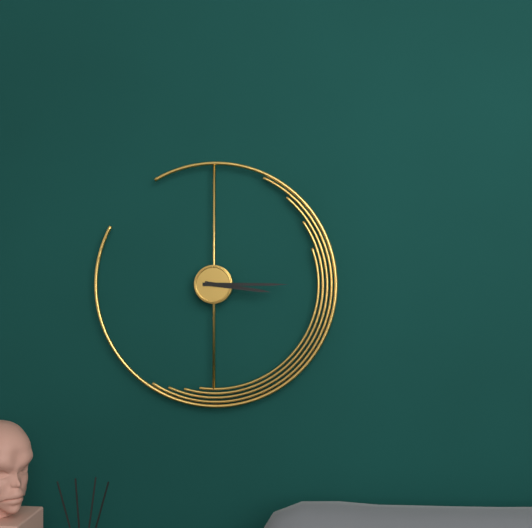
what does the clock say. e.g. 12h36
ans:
3h15
